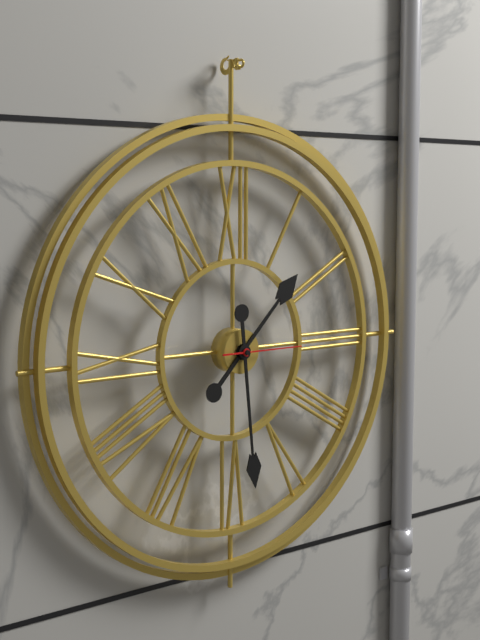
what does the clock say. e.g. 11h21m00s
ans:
1h29m15s
